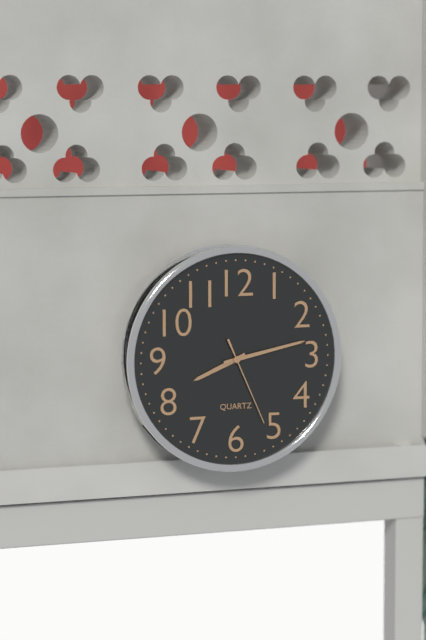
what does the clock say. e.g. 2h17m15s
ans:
8h13m26s
